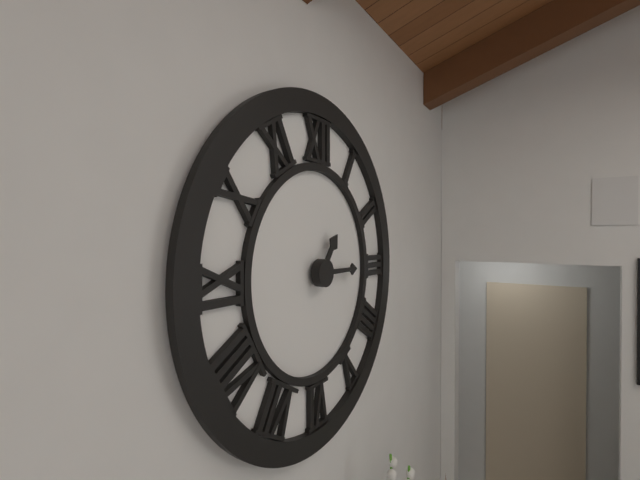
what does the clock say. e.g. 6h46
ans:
1h15
